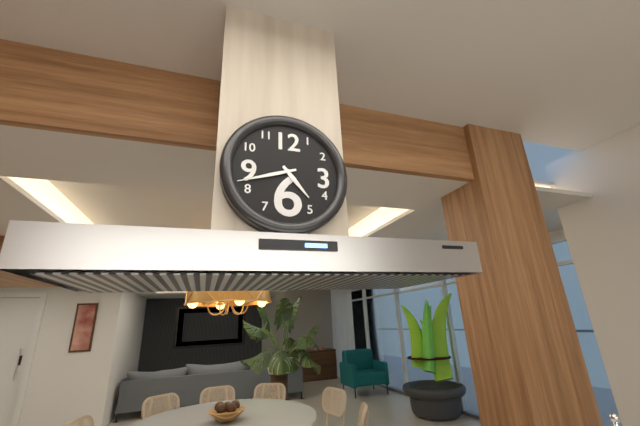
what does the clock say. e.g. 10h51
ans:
4h42
